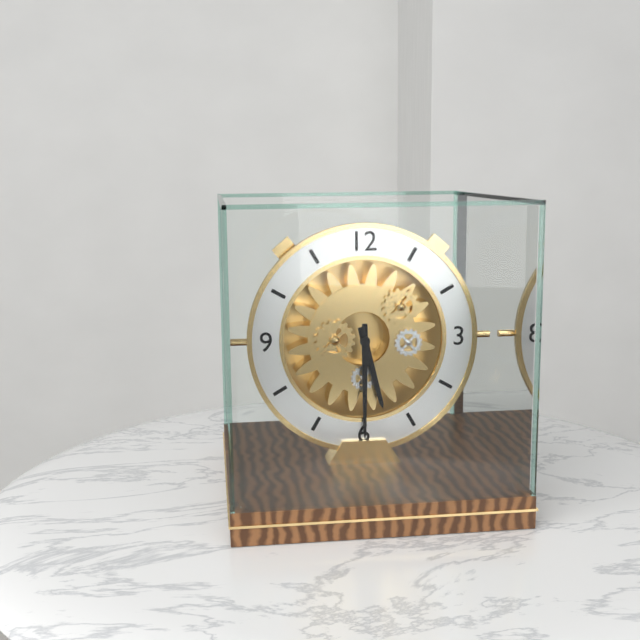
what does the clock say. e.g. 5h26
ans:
5h30
